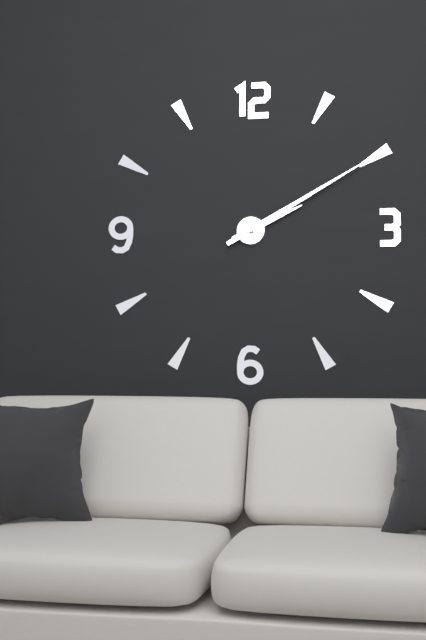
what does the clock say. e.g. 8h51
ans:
2h10
